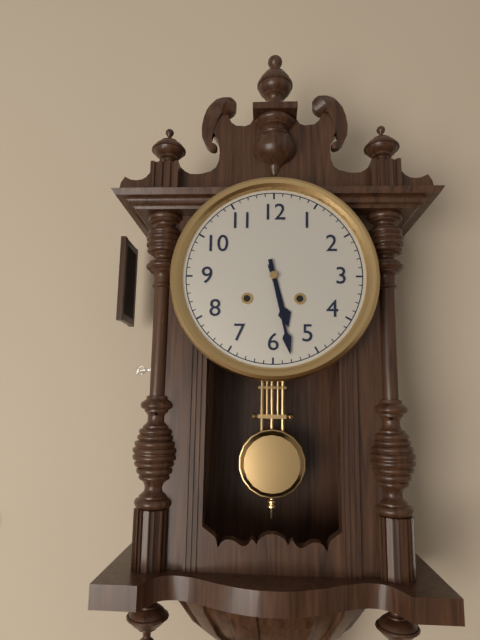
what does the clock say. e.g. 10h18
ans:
5h28
